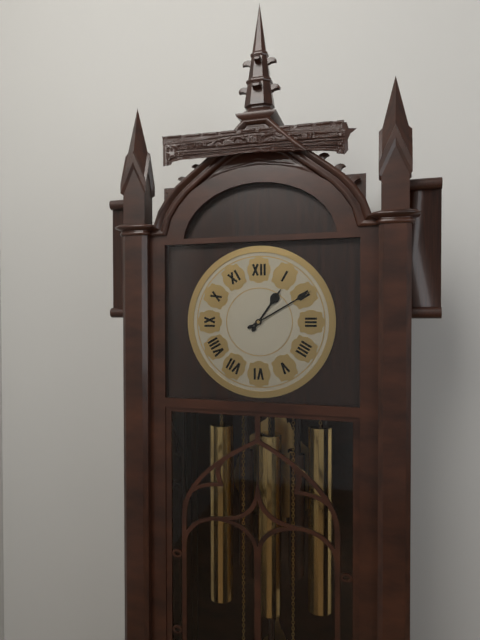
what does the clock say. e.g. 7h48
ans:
1h10
